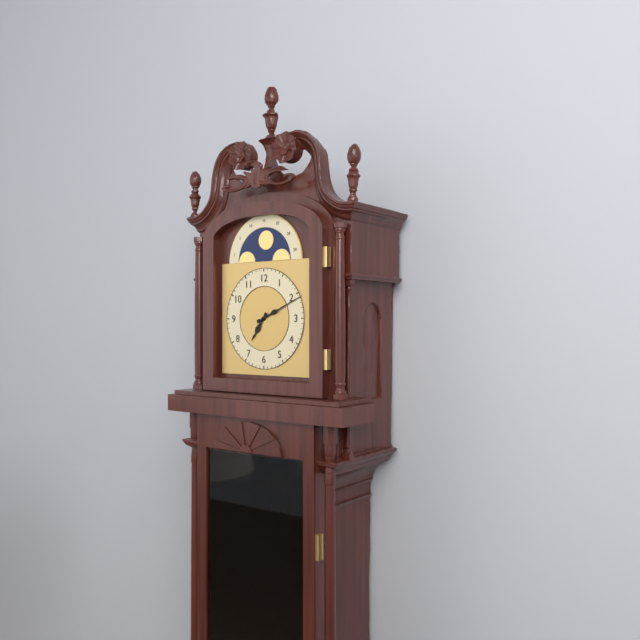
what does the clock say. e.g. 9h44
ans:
7h11
